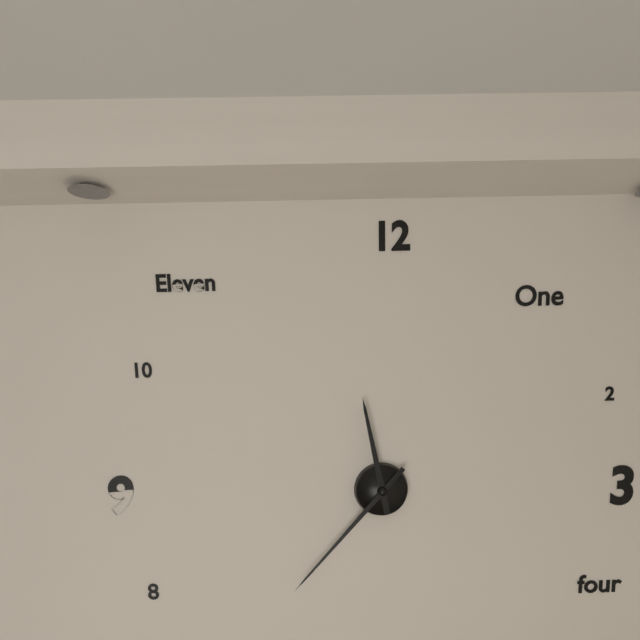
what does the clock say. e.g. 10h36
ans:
11h37
